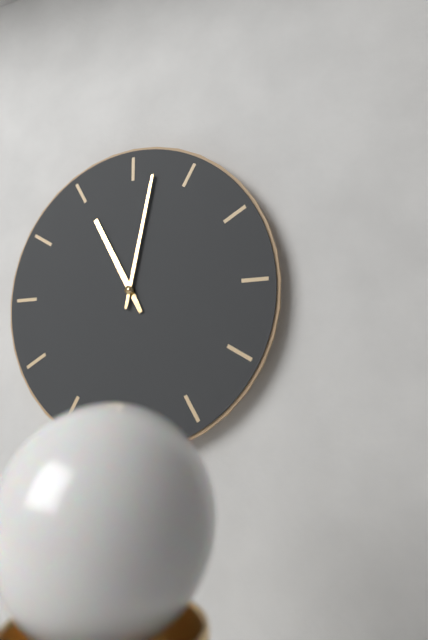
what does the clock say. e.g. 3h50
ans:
11h02
